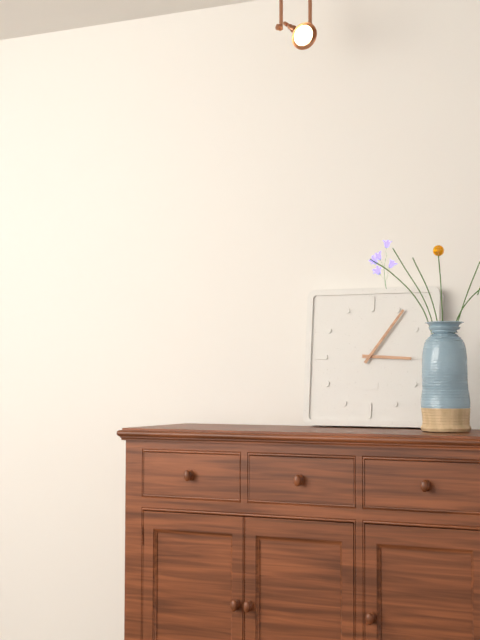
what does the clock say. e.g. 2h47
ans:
3h06
